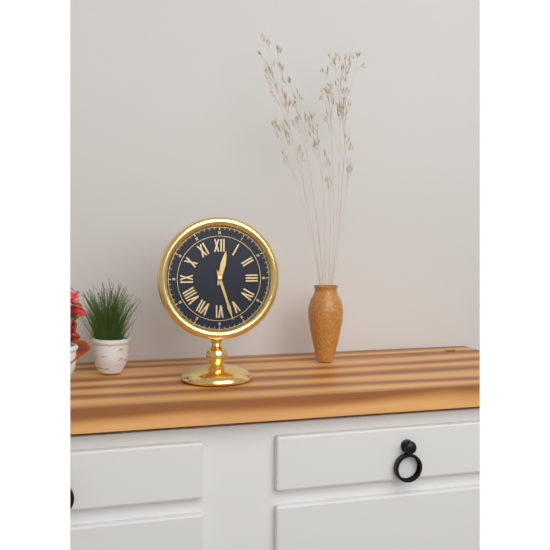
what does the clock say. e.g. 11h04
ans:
12h27
